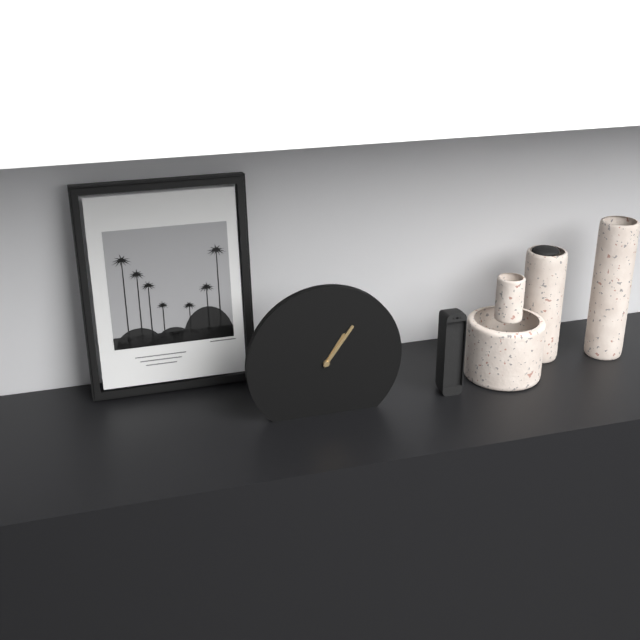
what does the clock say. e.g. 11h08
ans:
1h06
